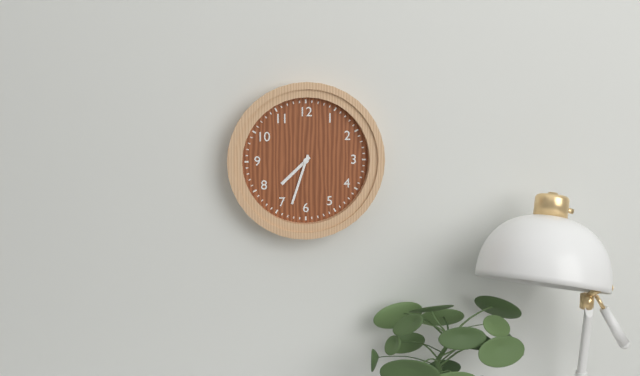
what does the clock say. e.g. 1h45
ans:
7h33
